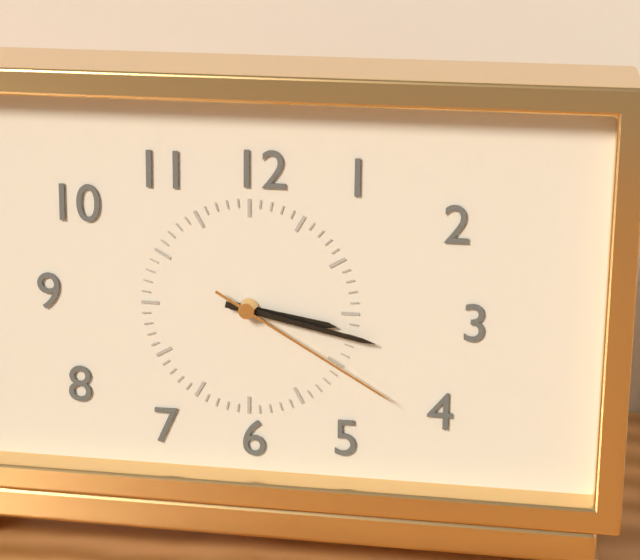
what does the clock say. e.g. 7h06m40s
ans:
3h17m20s
